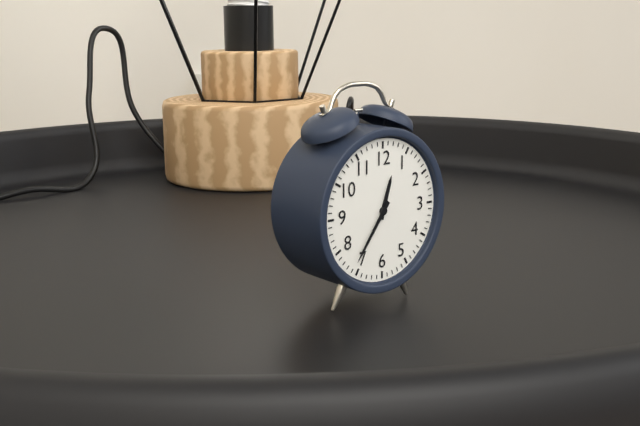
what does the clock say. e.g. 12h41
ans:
12h36
